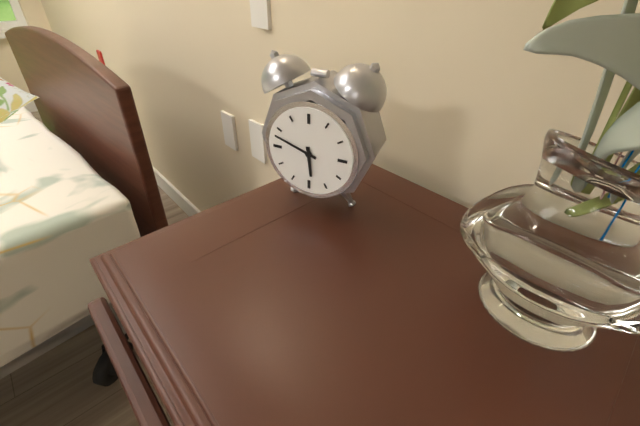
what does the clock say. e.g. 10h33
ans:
5h48
